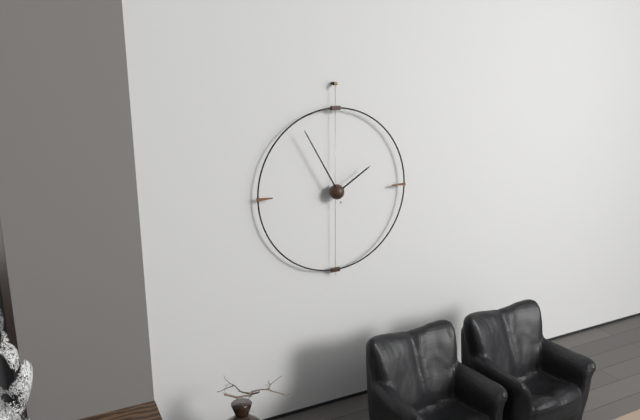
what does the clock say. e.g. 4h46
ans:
1h55
